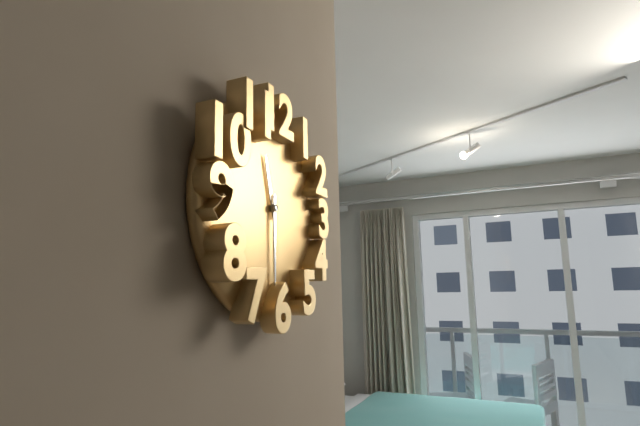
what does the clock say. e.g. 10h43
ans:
11h30
